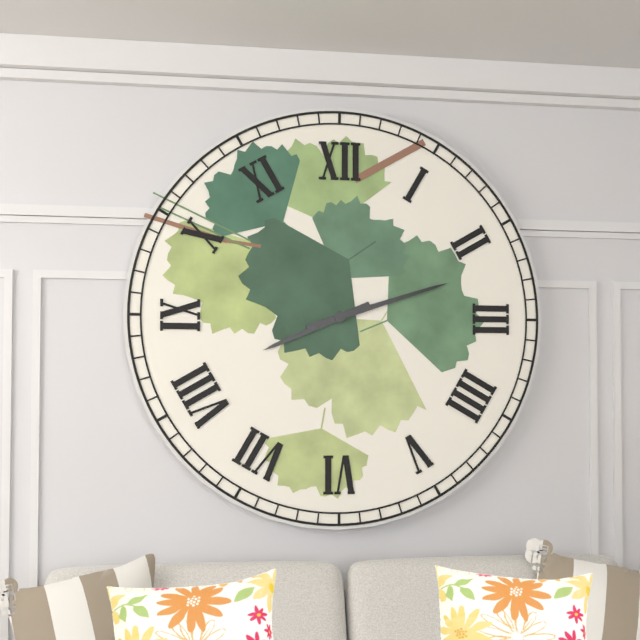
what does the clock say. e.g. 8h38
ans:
8h12
